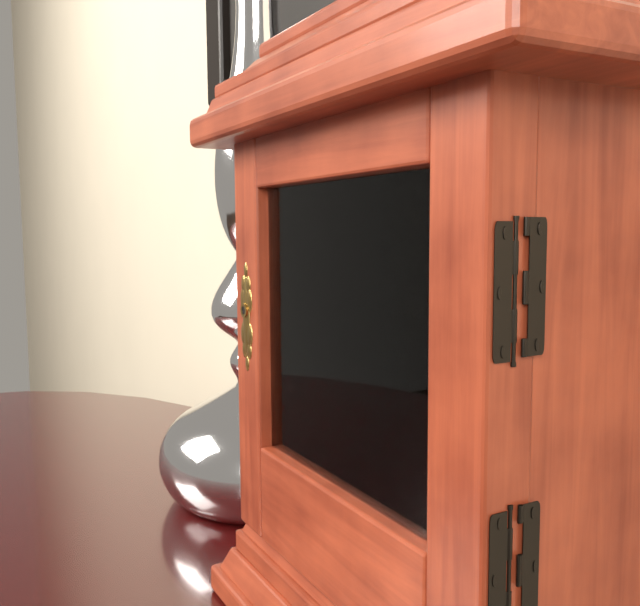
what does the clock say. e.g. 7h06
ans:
11h32
